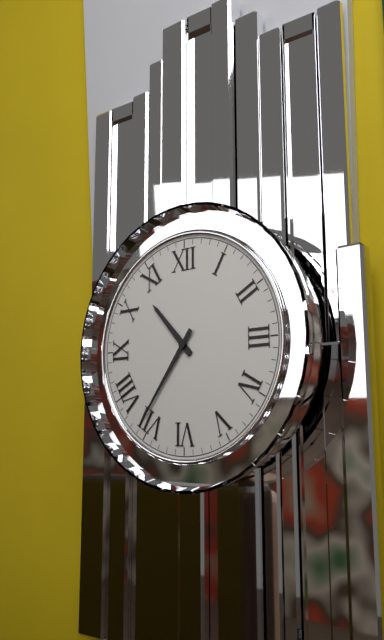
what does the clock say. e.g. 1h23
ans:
10h36
